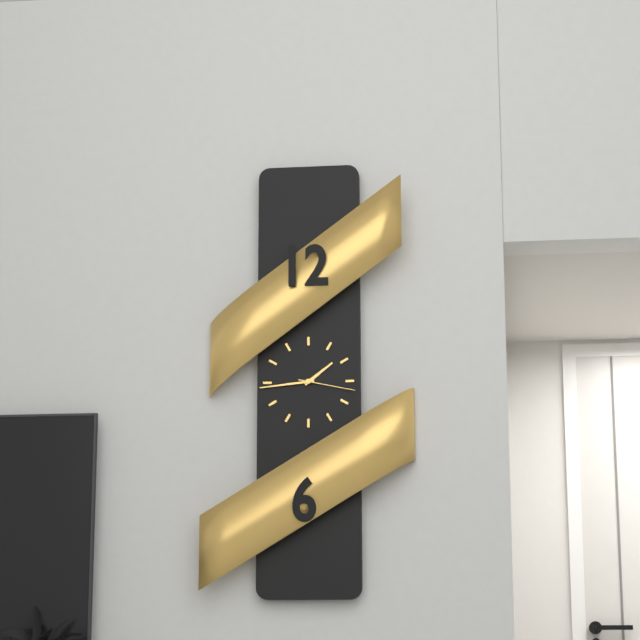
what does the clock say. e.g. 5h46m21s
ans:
1h44m17s
